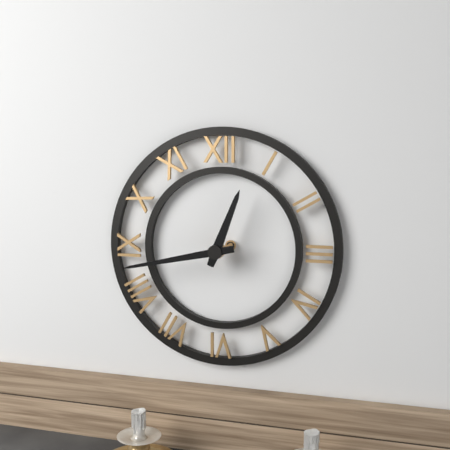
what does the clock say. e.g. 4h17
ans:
12h43
